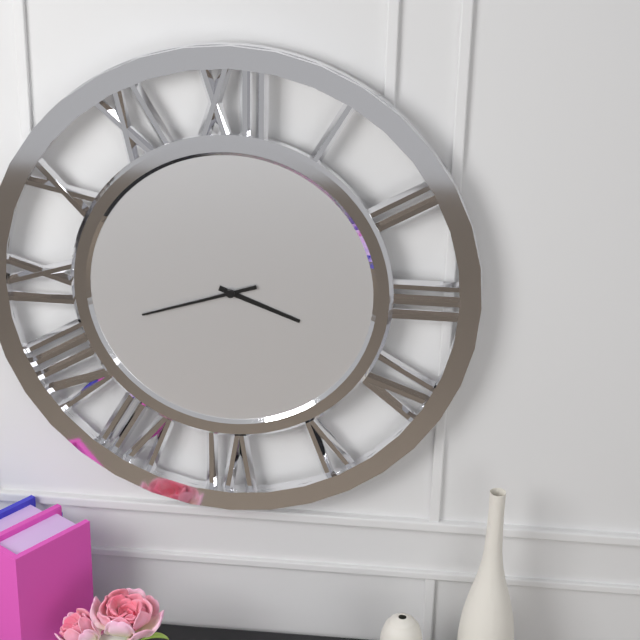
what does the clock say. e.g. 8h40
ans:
3h42
